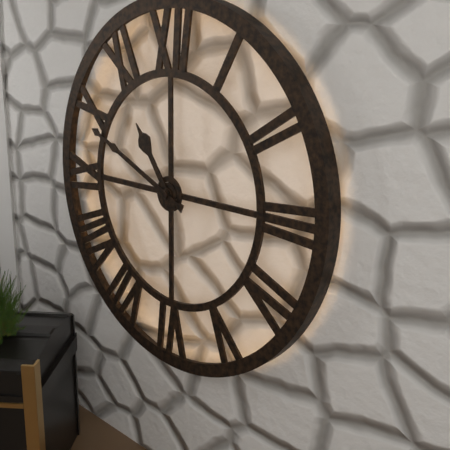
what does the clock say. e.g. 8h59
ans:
10h49
